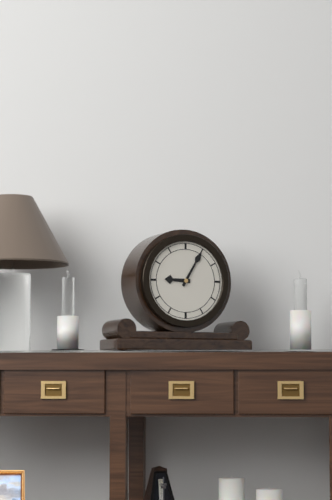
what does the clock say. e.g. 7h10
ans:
9h05
